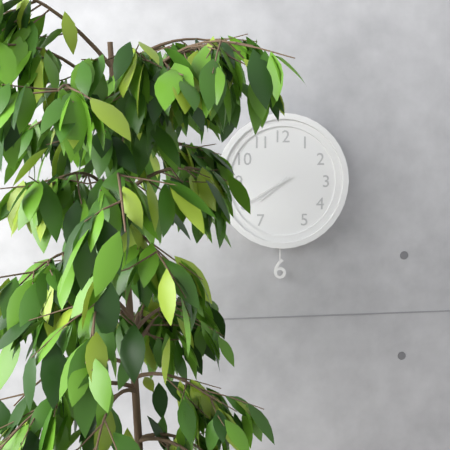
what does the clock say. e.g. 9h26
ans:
7h40
